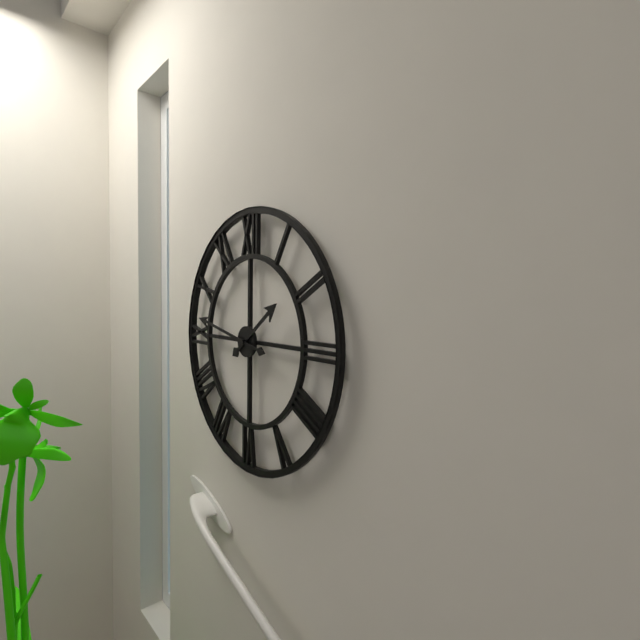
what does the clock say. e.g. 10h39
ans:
1h47
